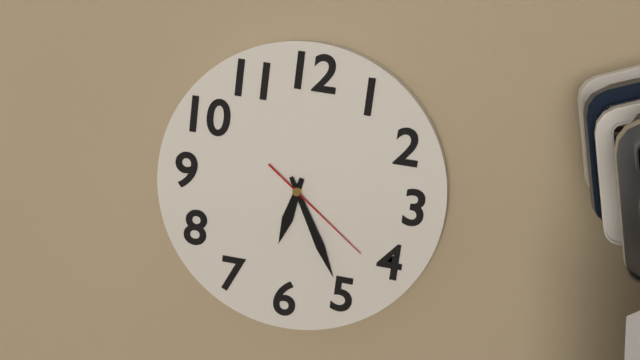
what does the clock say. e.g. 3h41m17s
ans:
6h25m21s
